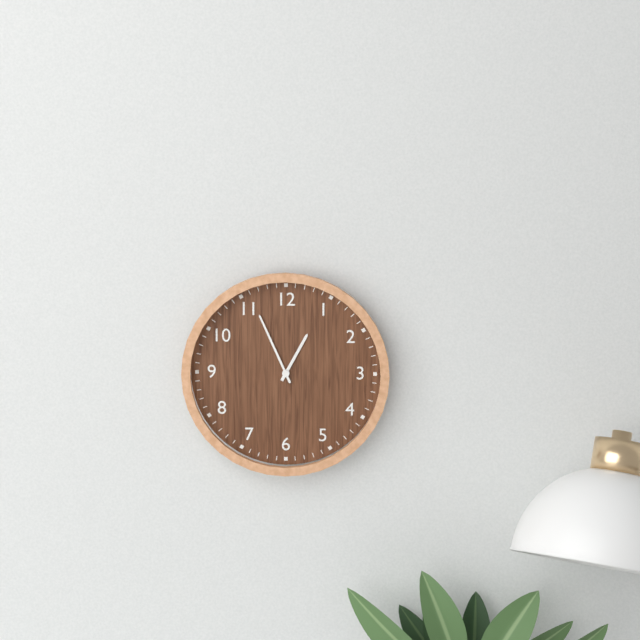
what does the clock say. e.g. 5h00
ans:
12h56
